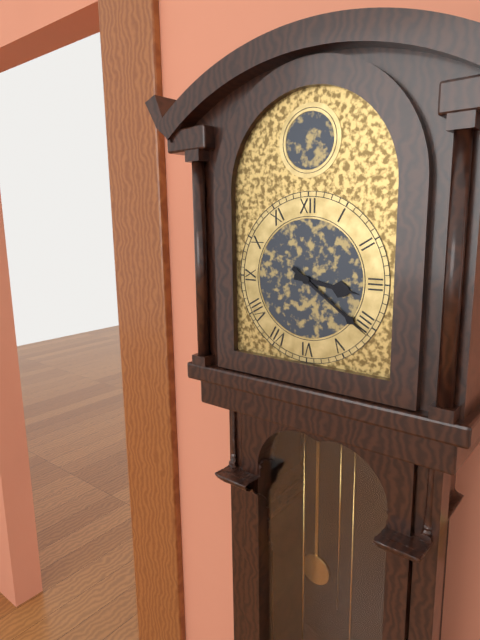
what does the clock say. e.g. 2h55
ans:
3h21
